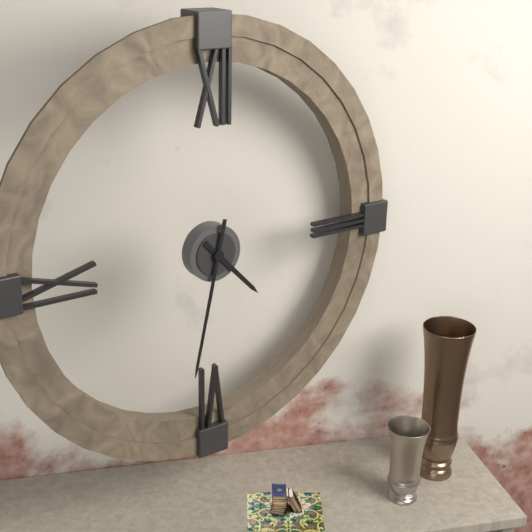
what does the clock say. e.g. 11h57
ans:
4h32
